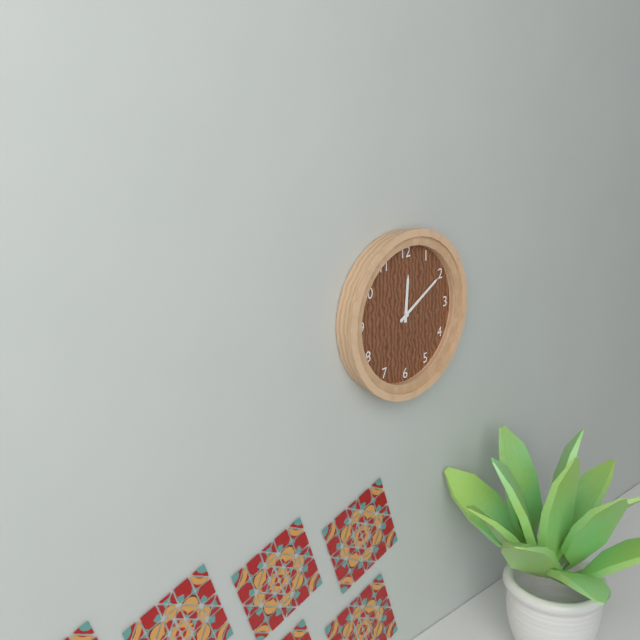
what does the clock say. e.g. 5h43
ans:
12h10
